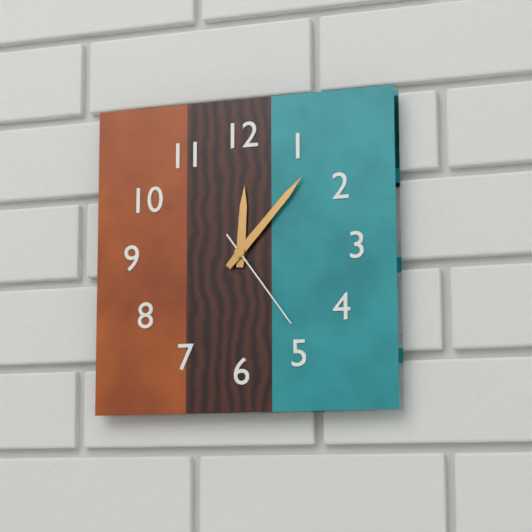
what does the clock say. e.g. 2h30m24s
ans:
12h07m24s
